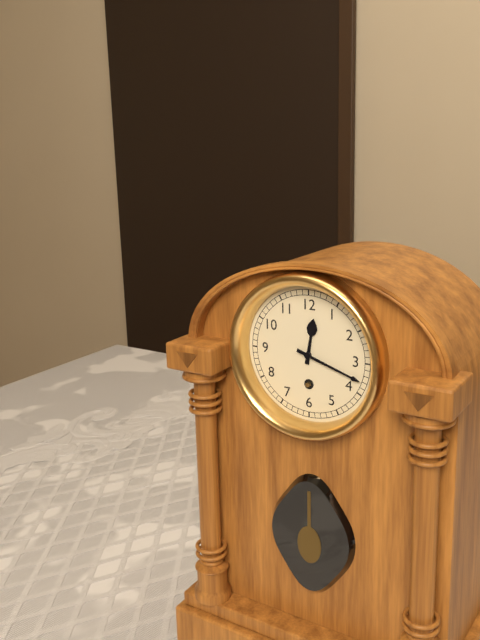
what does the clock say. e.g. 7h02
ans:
12h18
